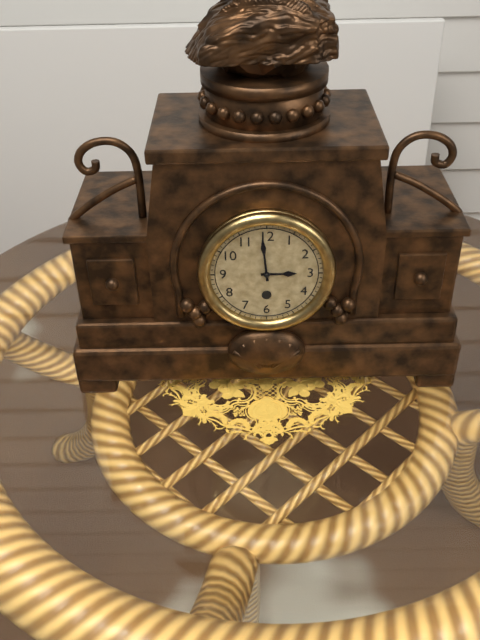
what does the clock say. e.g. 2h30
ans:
2h59
